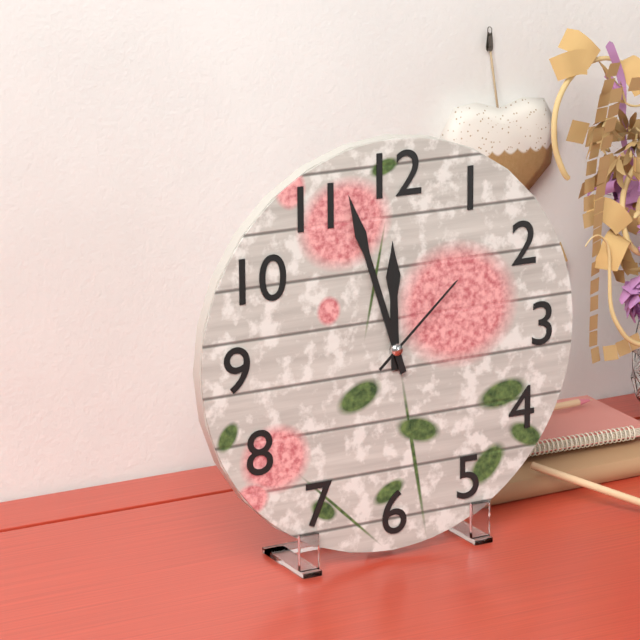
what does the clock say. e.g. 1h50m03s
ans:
11h57m08s
